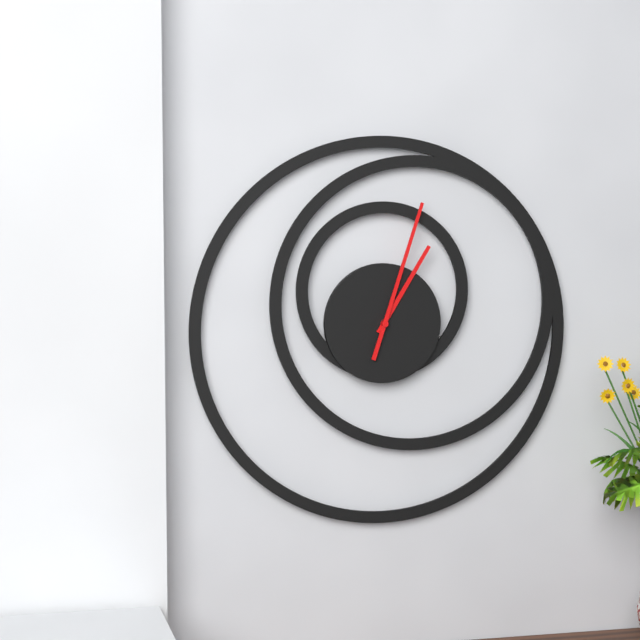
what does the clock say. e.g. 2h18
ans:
1h03
